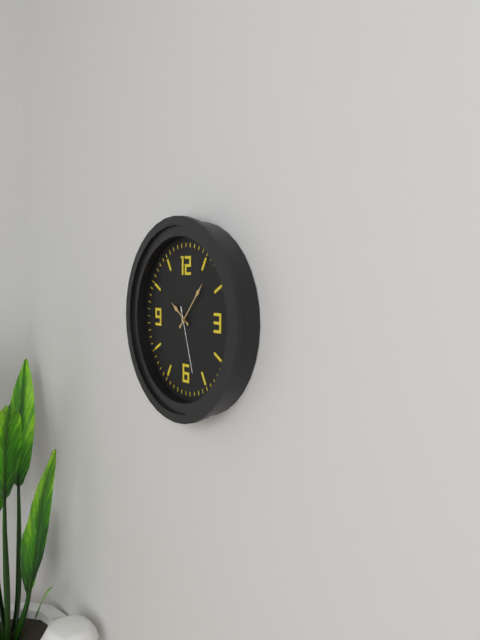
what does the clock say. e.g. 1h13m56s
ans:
10h07m27s
